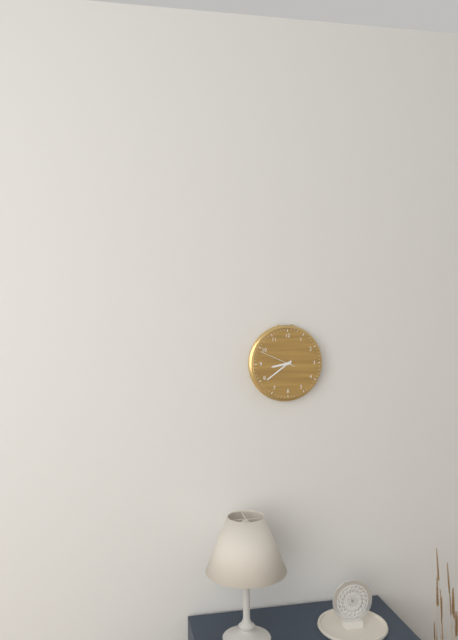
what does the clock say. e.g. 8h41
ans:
8h39
